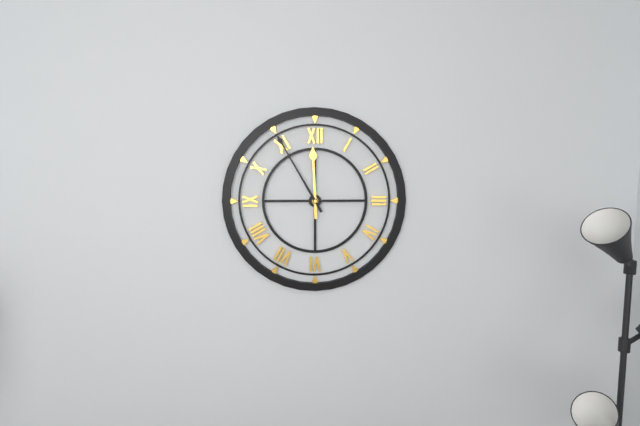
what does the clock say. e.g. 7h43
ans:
11h55
